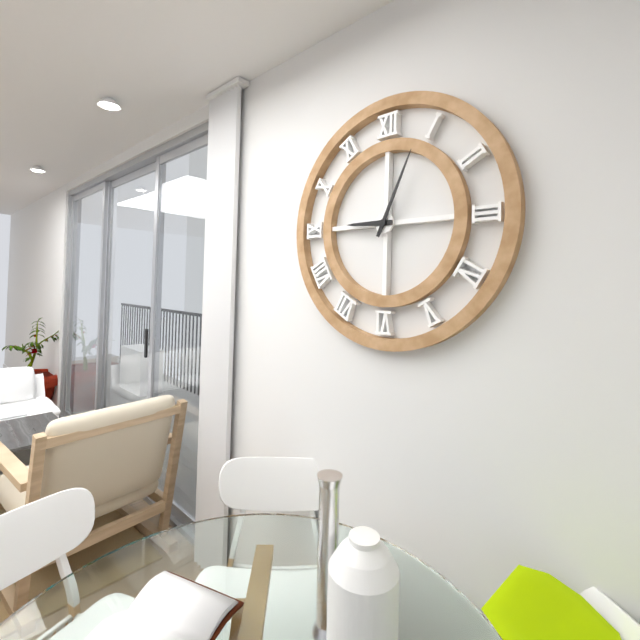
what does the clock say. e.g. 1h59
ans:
9h04
